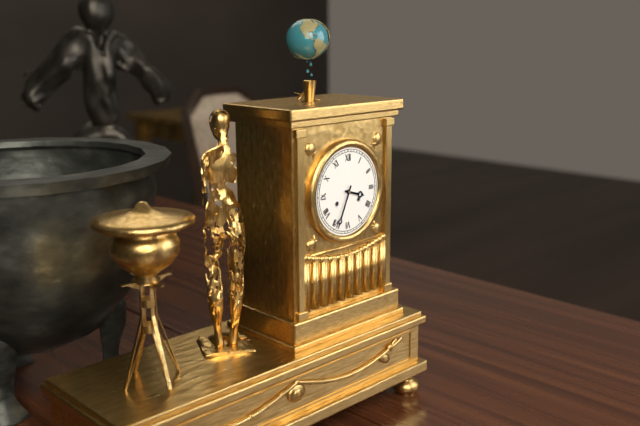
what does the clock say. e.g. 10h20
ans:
3h34
